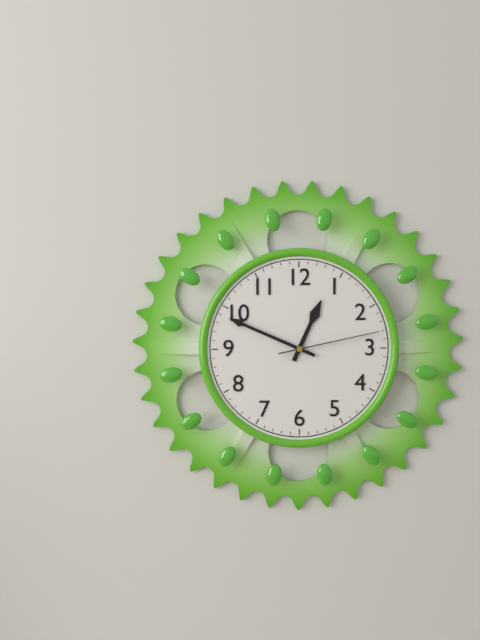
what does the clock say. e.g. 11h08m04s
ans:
12h49m13s
